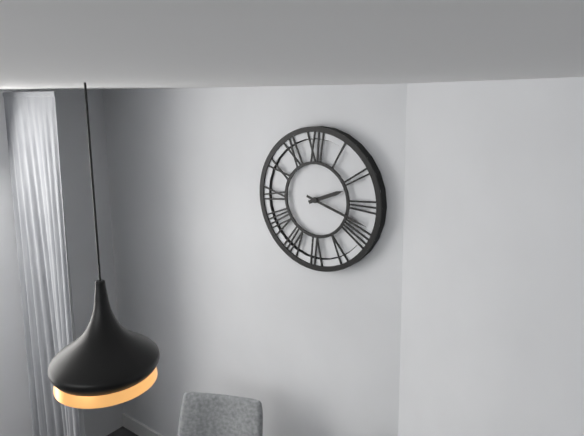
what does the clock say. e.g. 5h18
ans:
2h18
